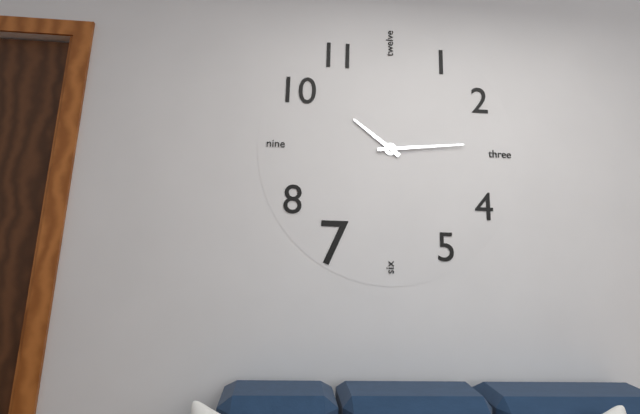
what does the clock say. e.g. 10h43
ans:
10h14
